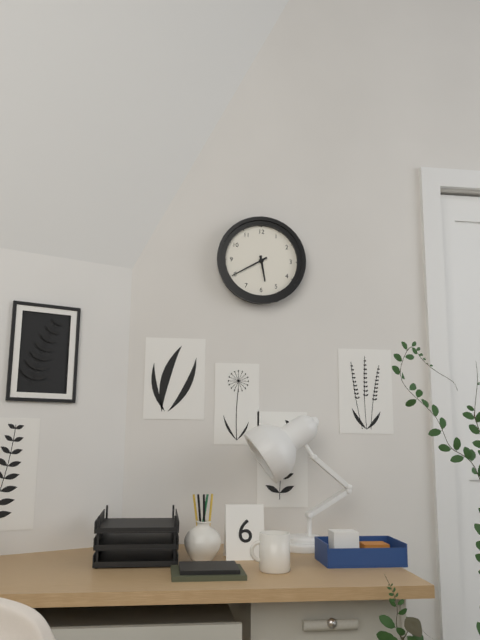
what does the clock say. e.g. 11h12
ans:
5h40
